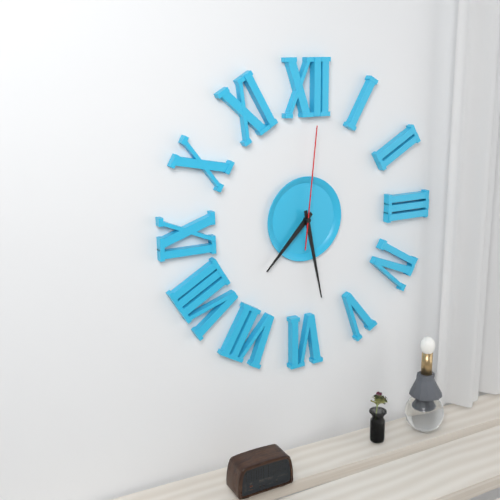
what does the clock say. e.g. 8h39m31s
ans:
7h28m01s
